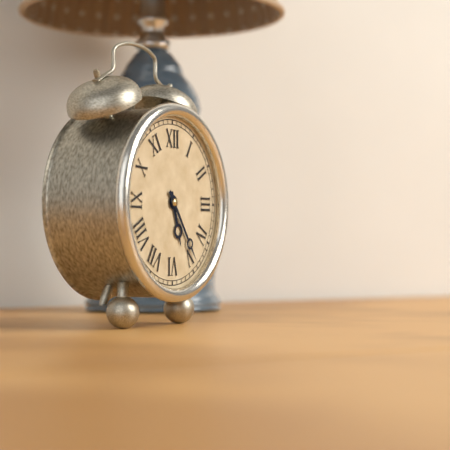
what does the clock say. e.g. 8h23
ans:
5h24
